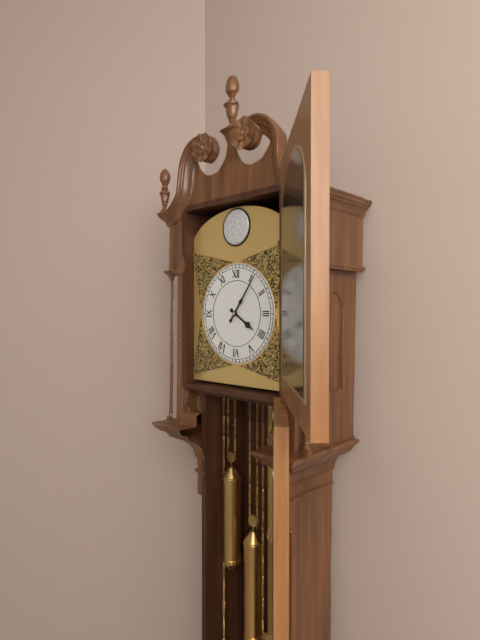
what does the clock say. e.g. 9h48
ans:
4h06
